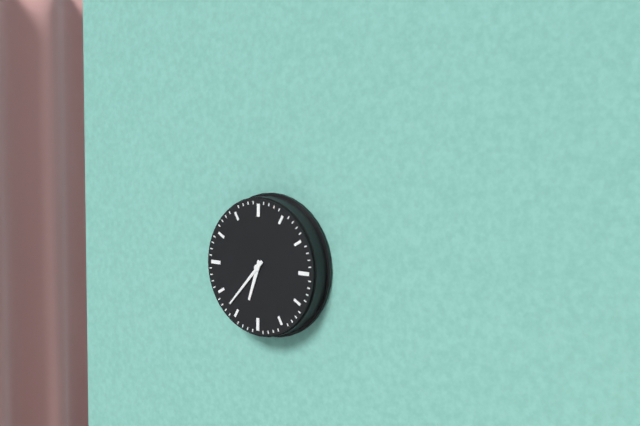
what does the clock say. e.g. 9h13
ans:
6h37
